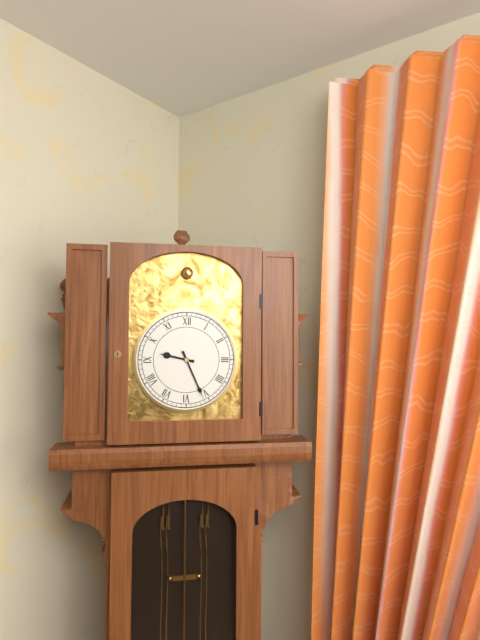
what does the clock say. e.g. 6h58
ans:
9h26
